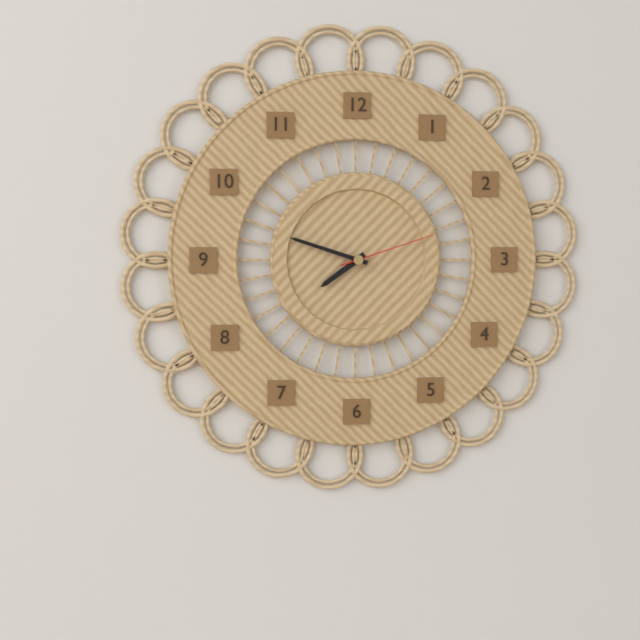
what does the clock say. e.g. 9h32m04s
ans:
7h48m12s
